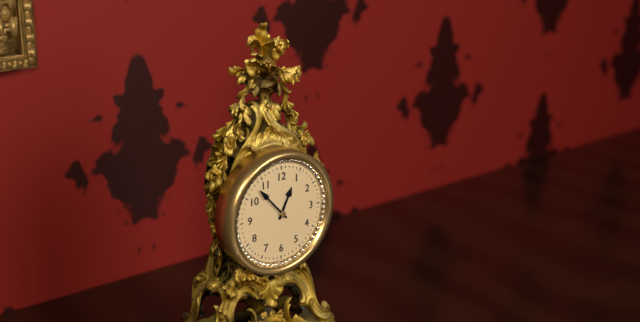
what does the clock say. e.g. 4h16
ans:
12h53
